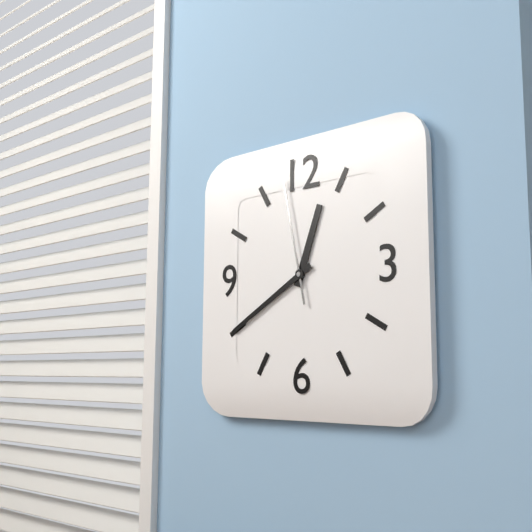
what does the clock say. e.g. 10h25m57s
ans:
12h40m58s
